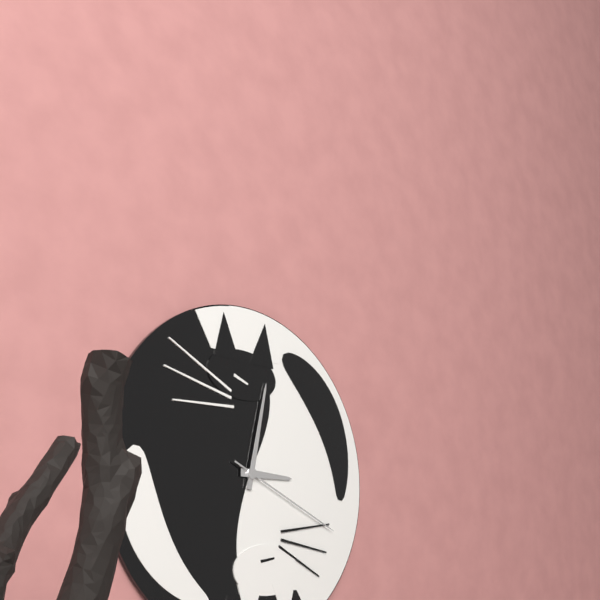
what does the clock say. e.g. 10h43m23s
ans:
3h02m19s
